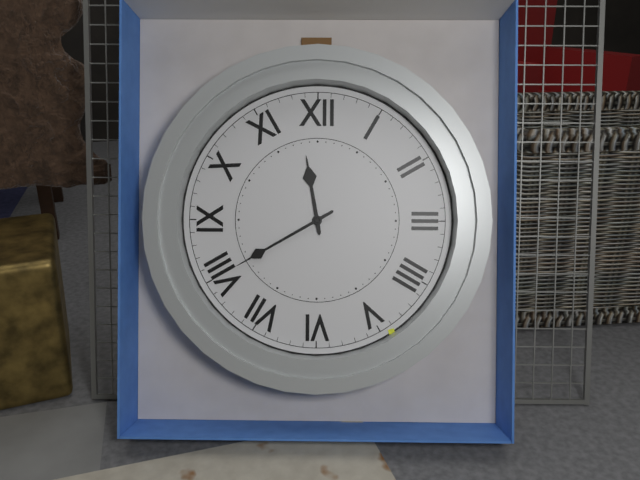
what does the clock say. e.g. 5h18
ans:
11h40
